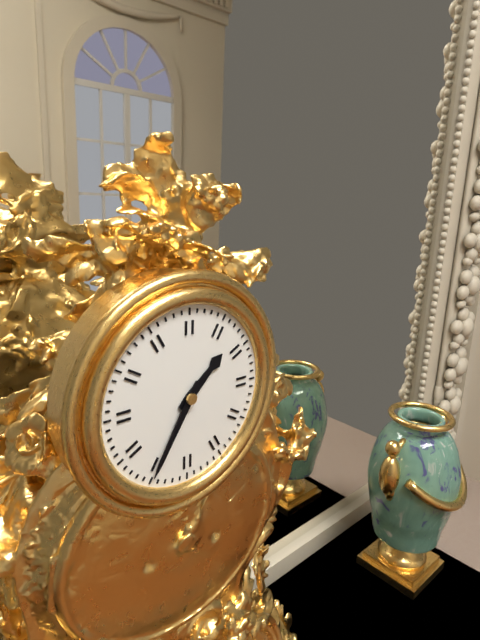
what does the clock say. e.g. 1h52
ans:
1h35
